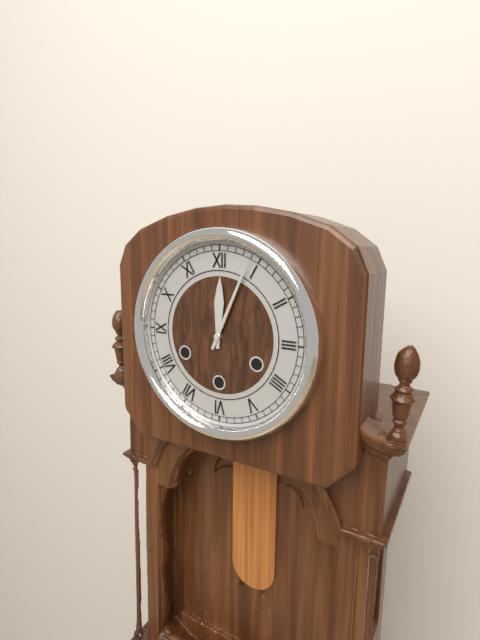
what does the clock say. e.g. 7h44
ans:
12h04
